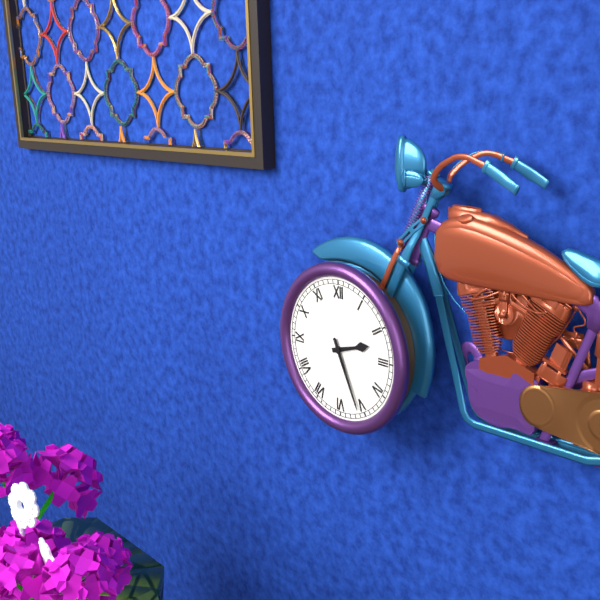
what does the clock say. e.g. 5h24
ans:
2h26
